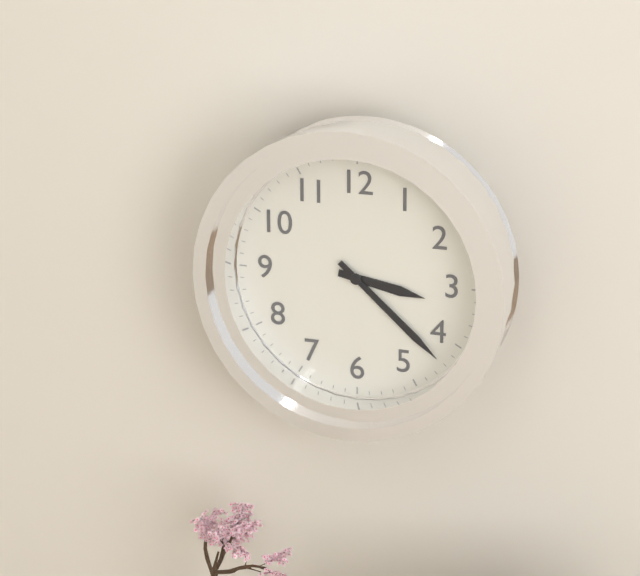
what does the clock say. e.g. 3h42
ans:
3h22
